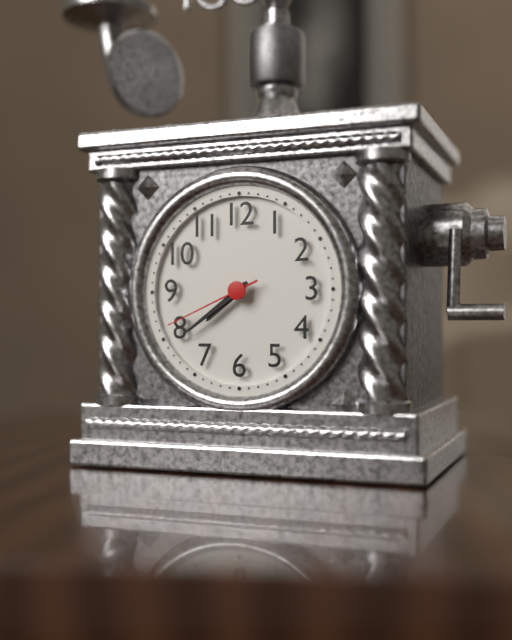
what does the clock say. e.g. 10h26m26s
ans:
7h39m41s
